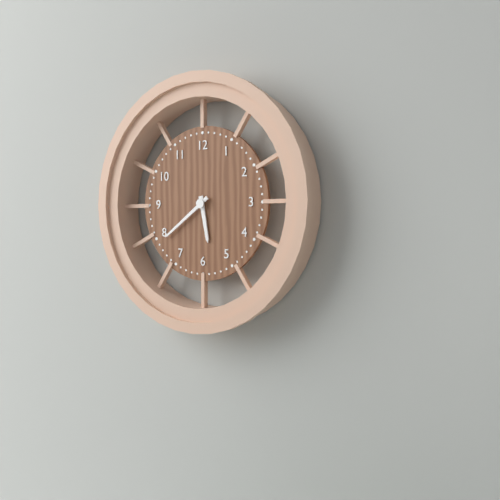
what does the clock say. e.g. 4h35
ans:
5h39
